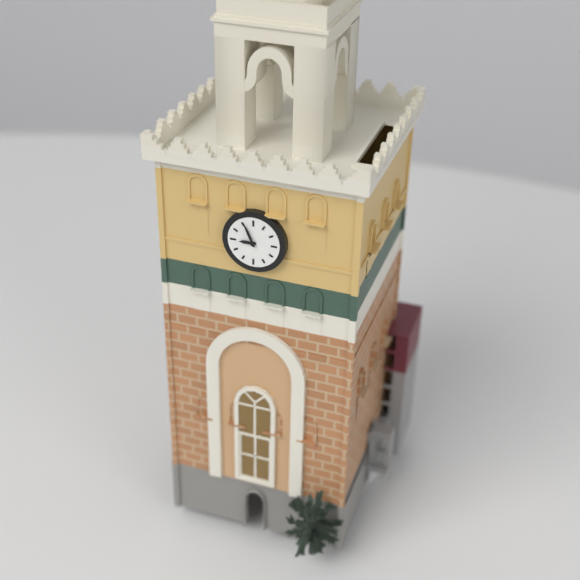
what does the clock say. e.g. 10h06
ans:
8h56
